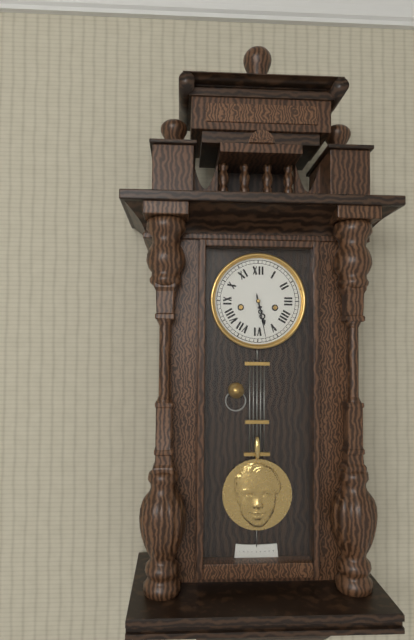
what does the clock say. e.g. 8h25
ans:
5h28
